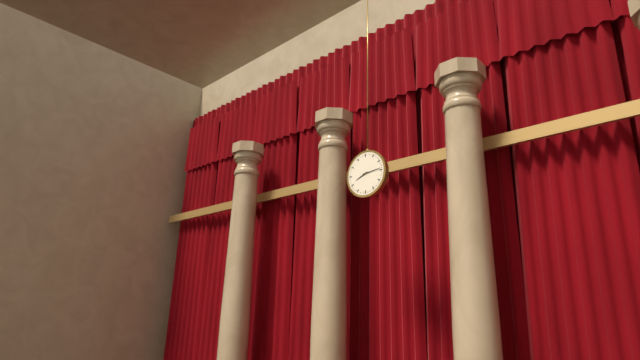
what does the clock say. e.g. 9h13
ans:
8h14
